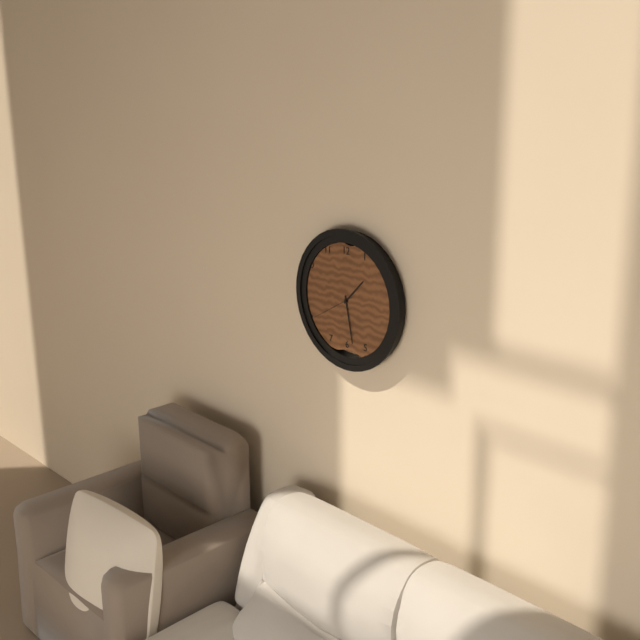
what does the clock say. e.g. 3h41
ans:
1h28
